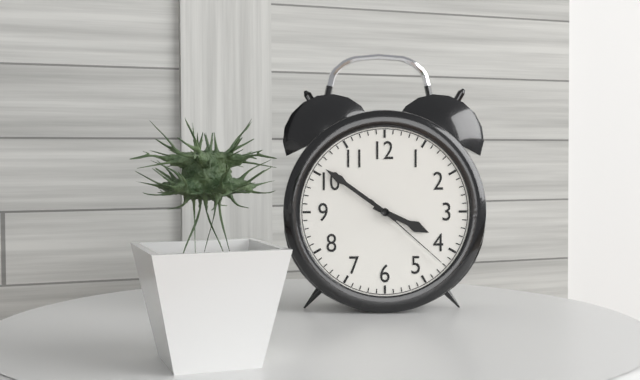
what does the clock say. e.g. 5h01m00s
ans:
3h51m22s
